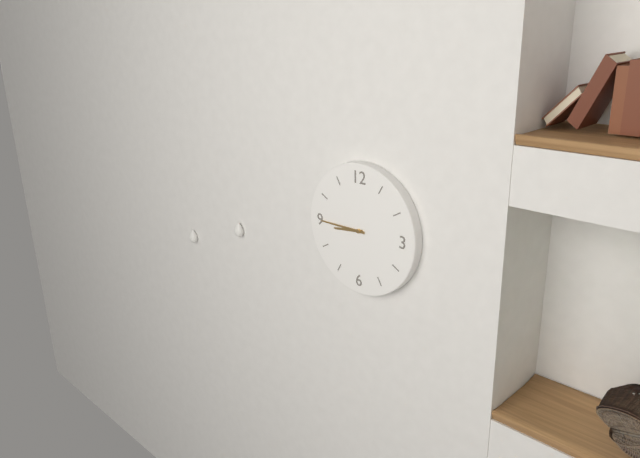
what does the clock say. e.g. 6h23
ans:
8h45
